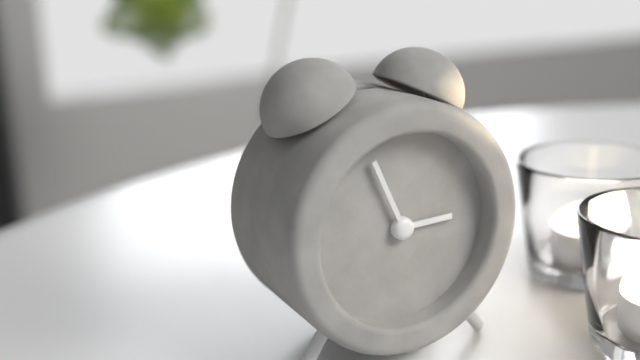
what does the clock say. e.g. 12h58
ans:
2h56
